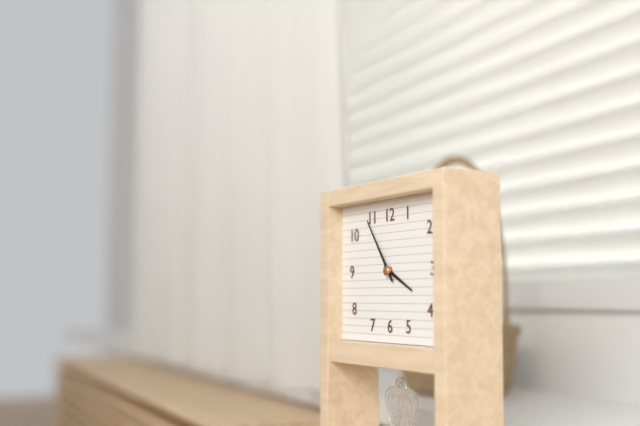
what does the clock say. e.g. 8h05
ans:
3h54
